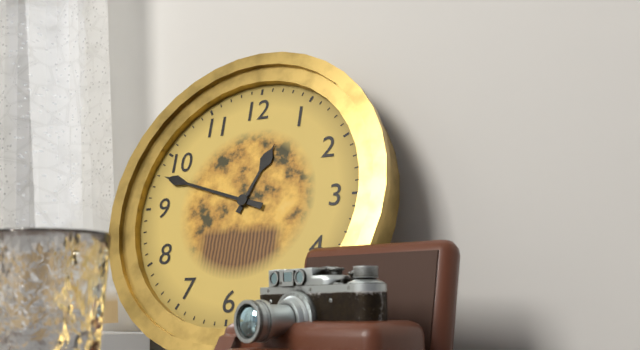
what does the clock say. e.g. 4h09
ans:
12h48
